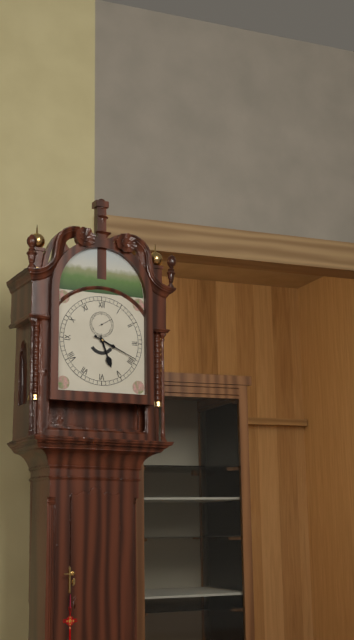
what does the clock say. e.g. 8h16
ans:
5h19
